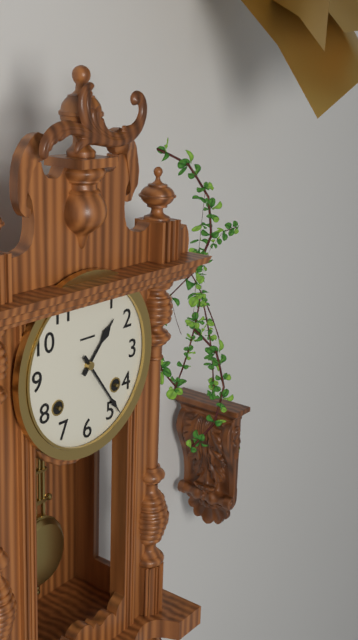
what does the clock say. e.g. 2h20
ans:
1h24
